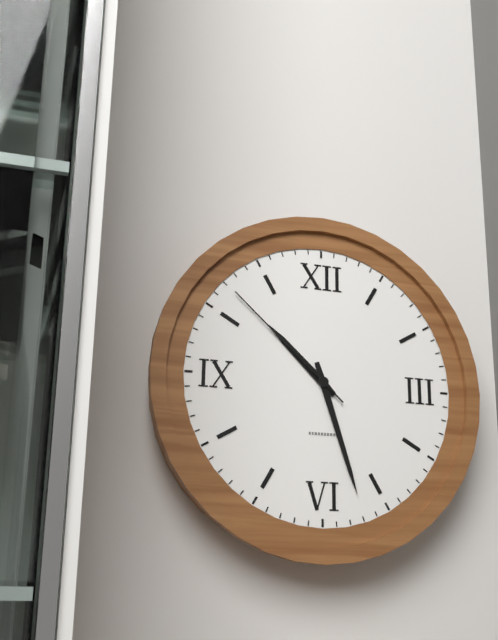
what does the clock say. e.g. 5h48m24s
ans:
10h27m52s
